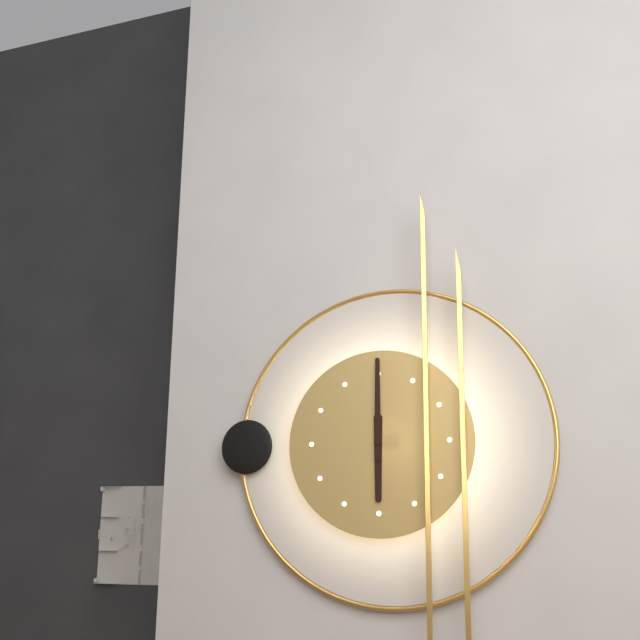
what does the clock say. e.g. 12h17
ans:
6h00
